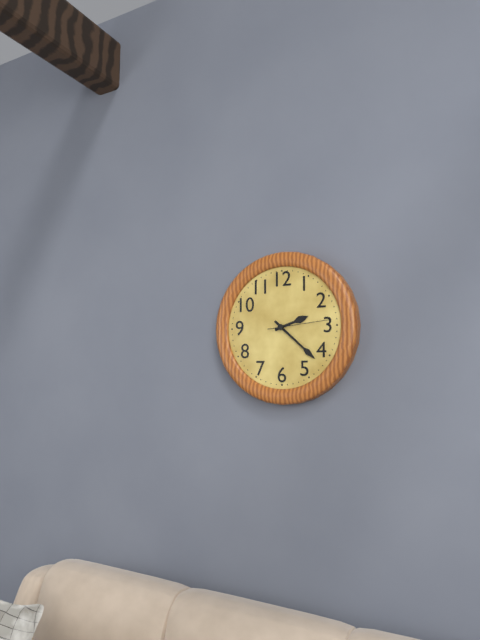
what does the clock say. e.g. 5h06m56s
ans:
2h22m14s
